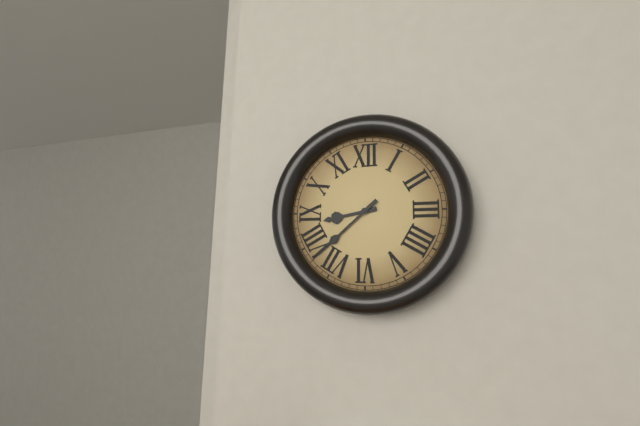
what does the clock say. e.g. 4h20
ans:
8h38
